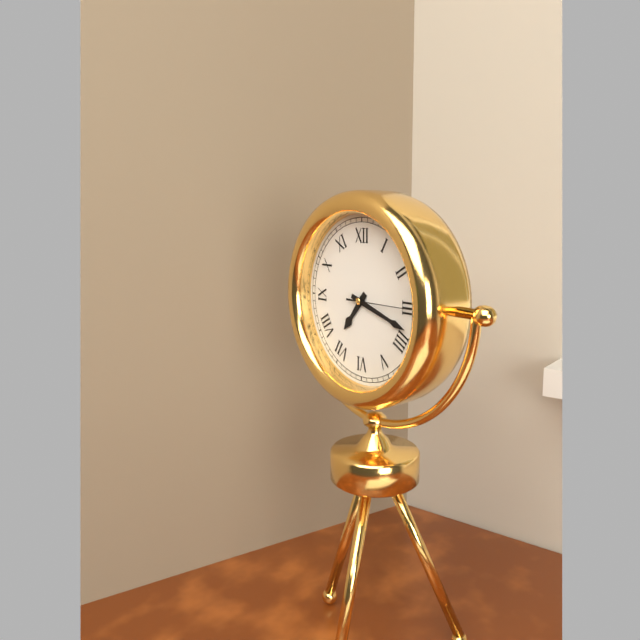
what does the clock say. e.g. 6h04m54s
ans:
7h18m15s
